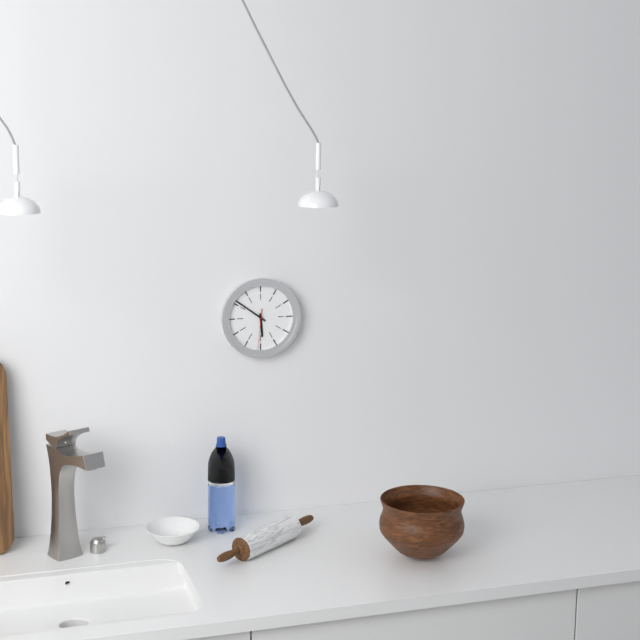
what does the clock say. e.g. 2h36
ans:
5h51
